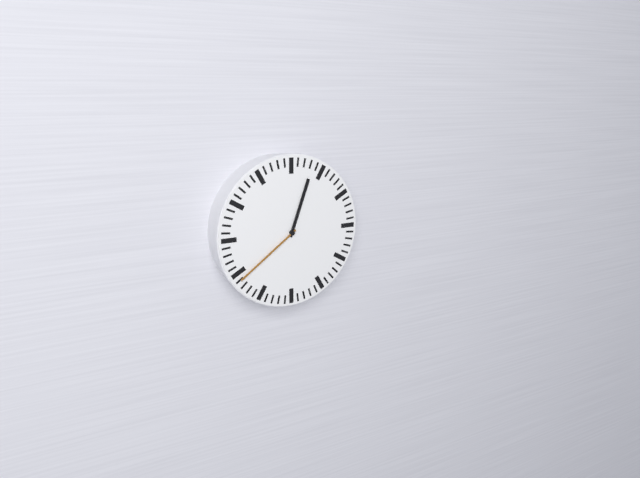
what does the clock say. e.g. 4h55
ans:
12h39
